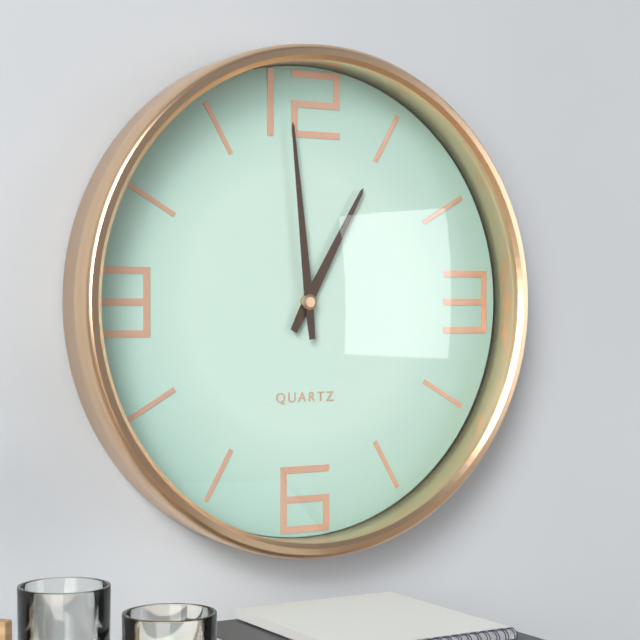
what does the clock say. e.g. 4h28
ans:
12h59
